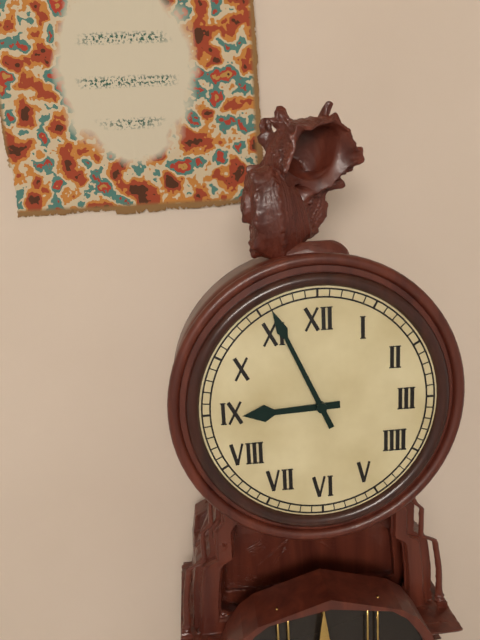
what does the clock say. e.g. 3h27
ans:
8h56
